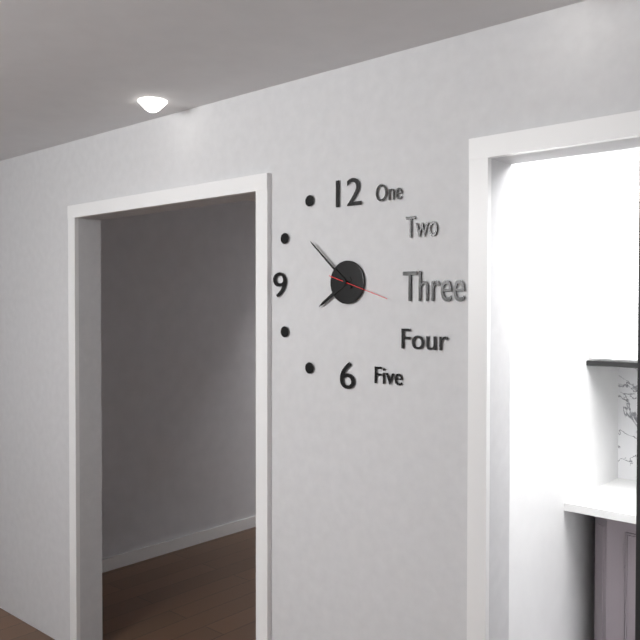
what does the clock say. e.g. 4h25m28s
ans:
7h52m18s
